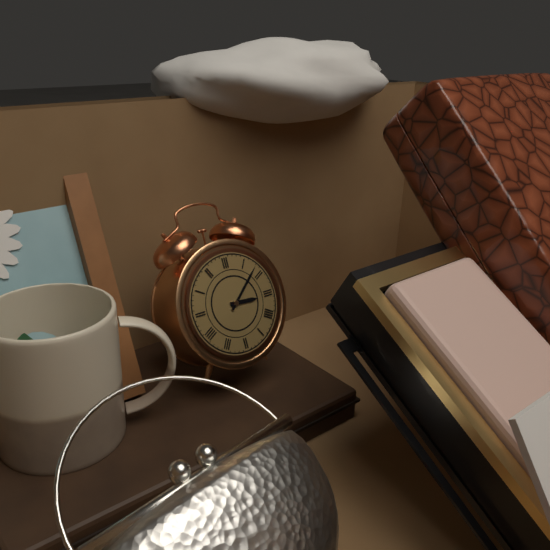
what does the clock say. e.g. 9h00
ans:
3h08
